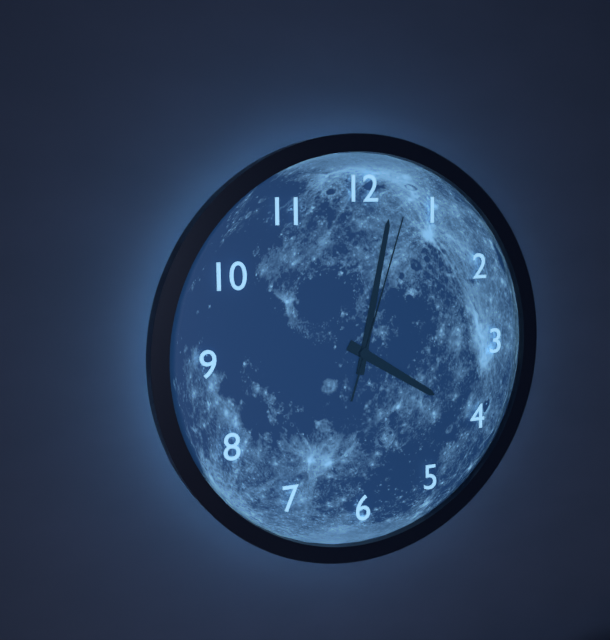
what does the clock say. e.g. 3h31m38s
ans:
4h02m03s
